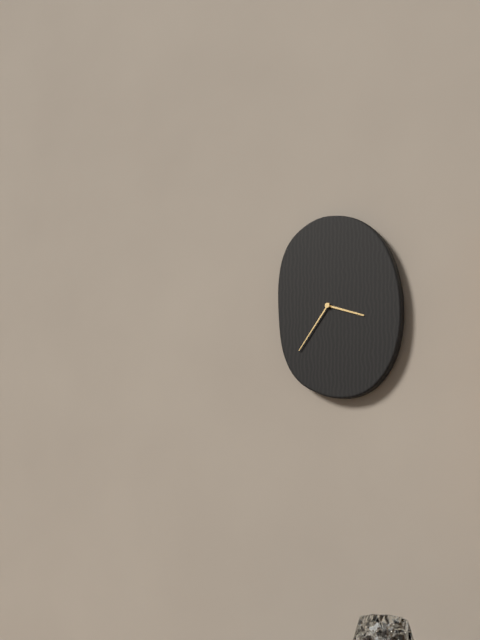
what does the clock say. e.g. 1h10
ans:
3h36
